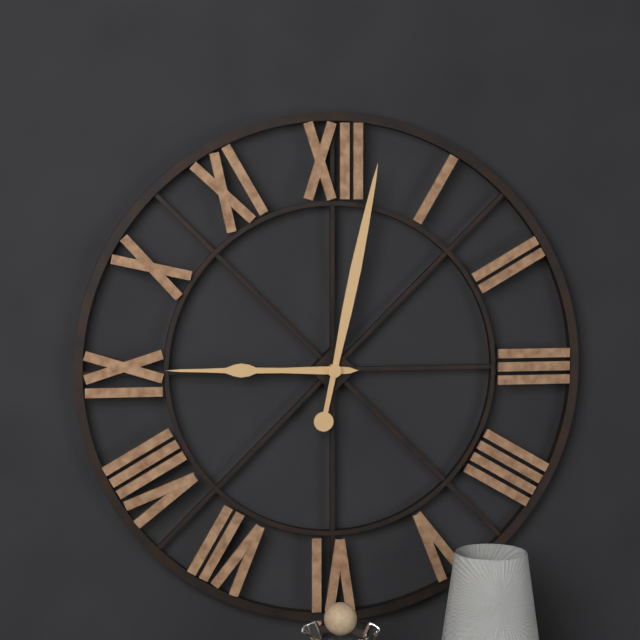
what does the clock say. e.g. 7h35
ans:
9h02
